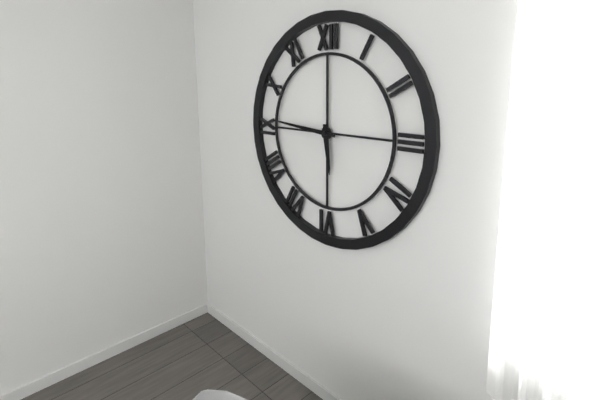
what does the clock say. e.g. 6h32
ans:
5h46
